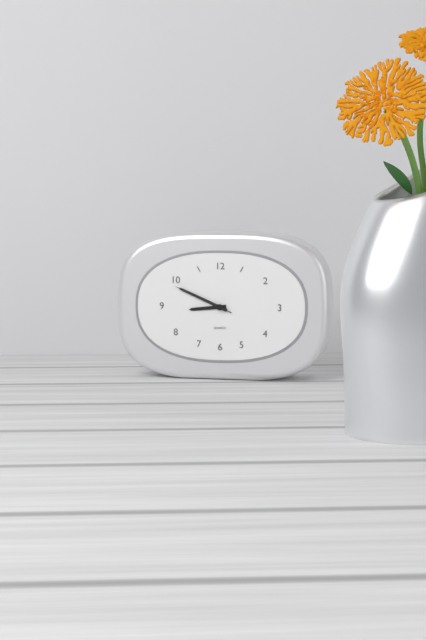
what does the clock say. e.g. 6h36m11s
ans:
8h49m49s
